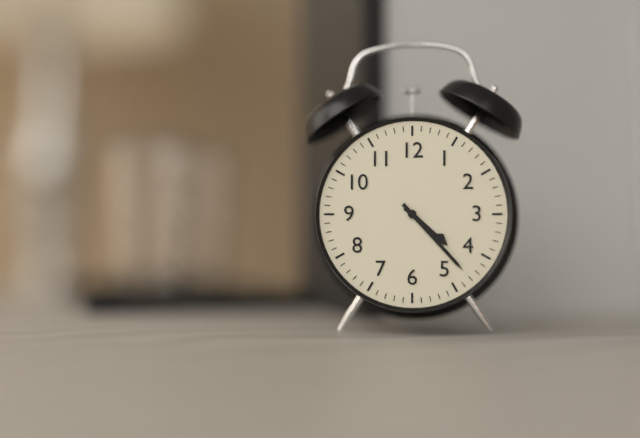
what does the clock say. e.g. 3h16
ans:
4h23
